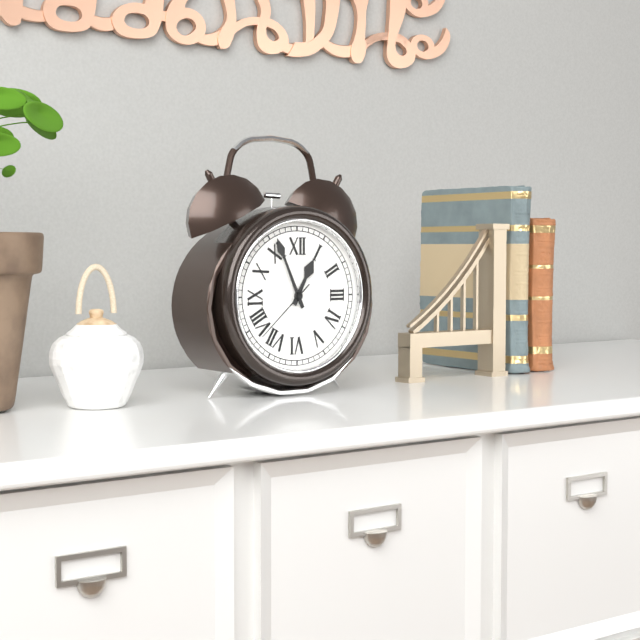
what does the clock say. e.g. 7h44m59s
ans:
12h56m38s
